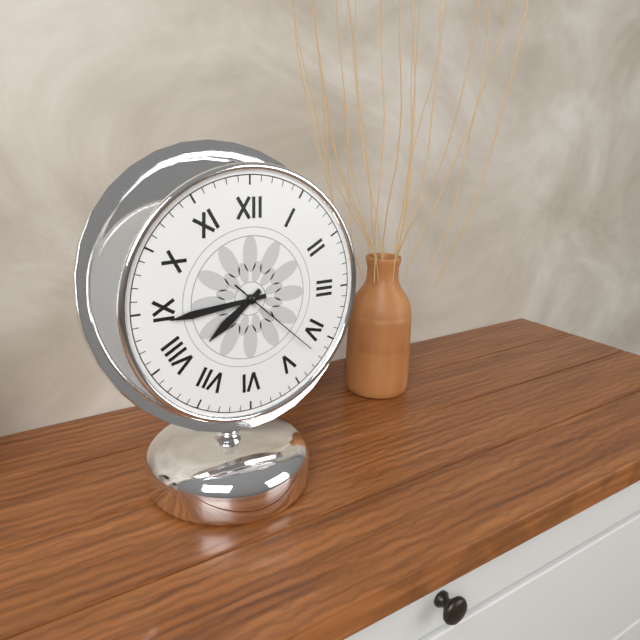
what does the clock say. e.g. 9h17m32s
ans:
7h44m22s
